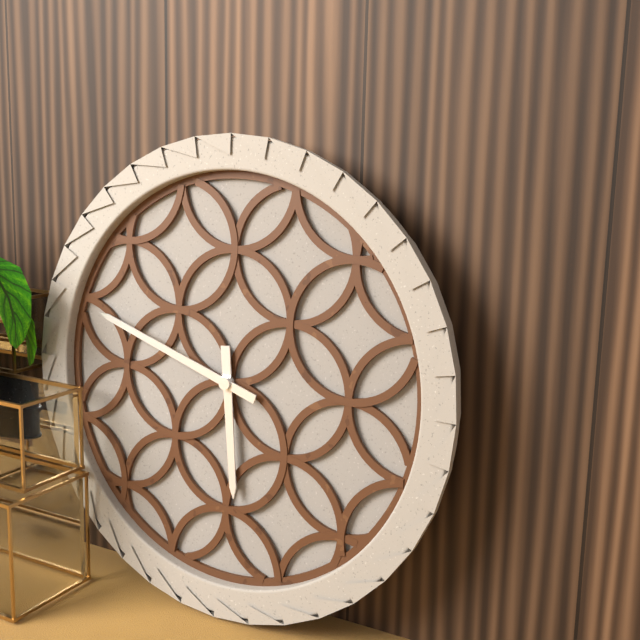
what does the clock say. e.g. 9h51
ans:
5h48
